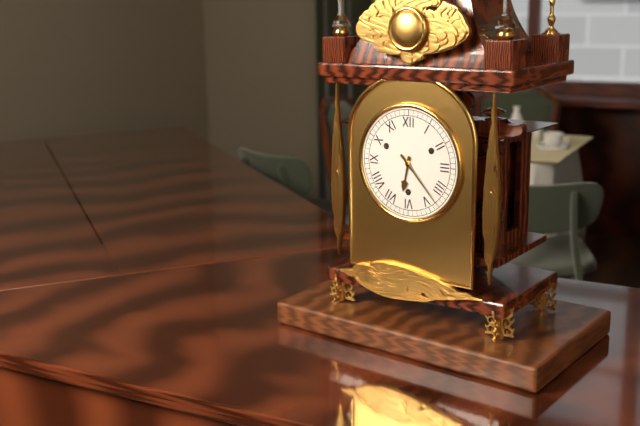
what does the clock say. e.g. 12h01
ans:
6h23
